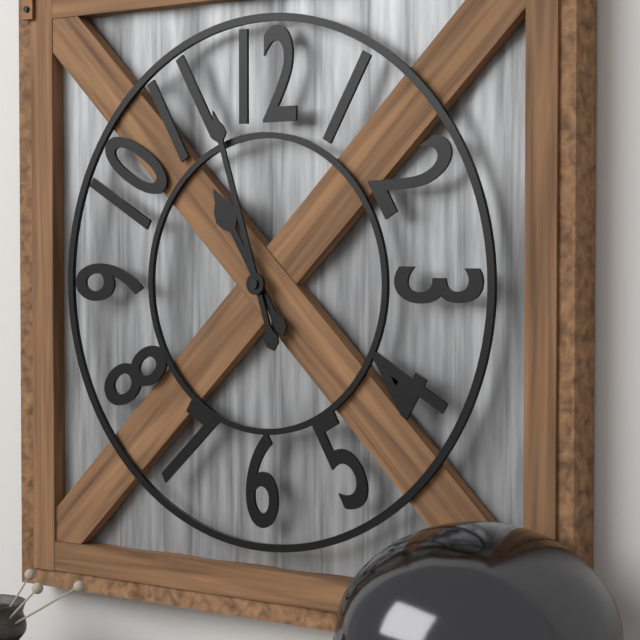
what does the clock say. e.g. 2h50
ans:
10h57
